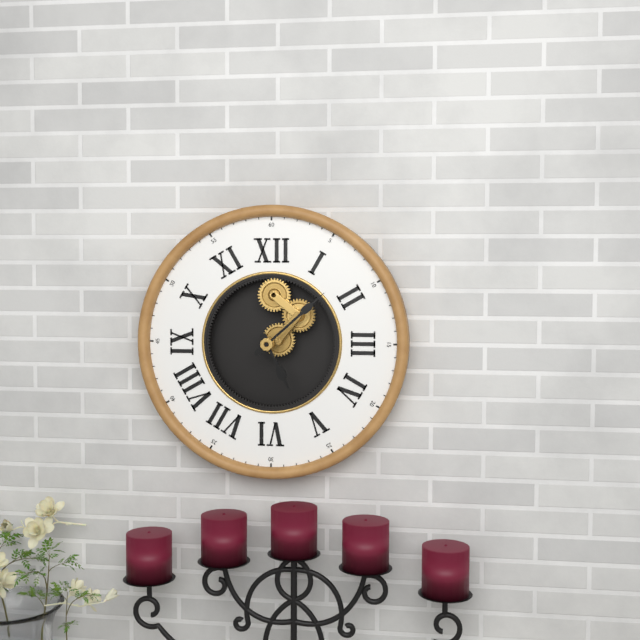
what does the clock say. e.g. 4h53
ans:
5h08
